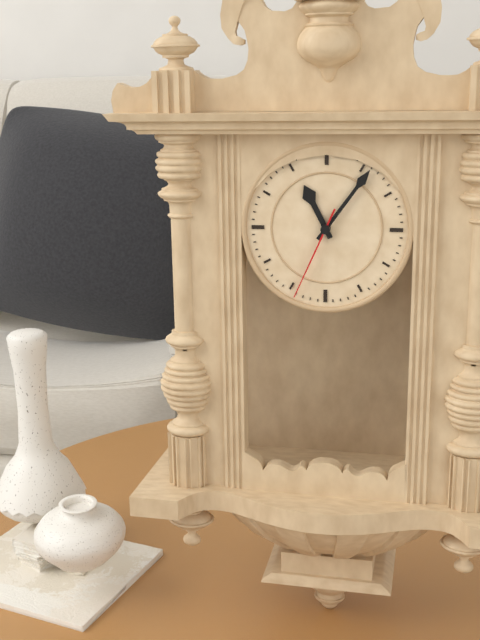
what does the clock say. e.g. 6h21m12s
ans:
11h06m34s
